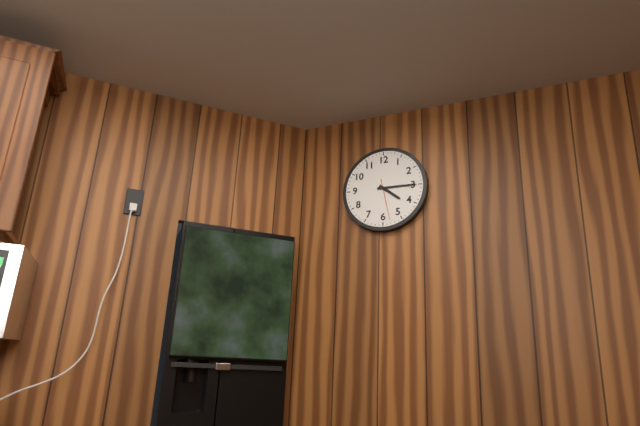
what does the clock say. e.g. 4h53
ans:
4h15
